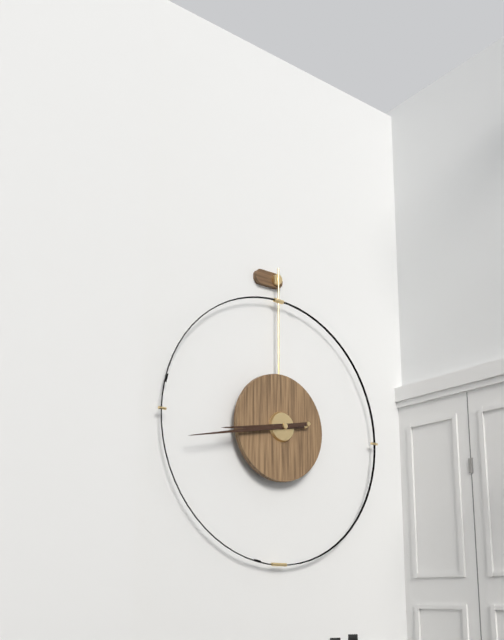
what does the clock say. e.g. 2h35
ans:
8h43
